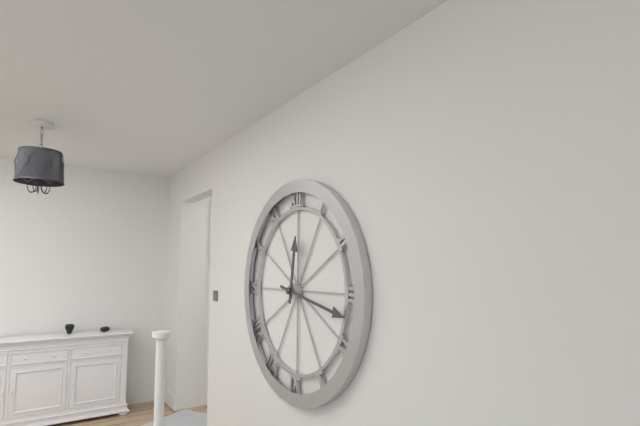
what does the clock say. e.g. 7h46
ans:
12h17
